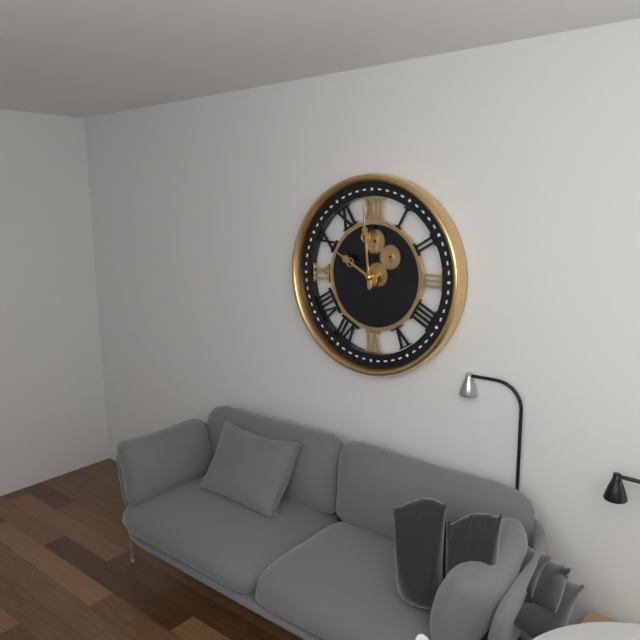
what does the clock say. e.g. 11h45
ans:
9h59
